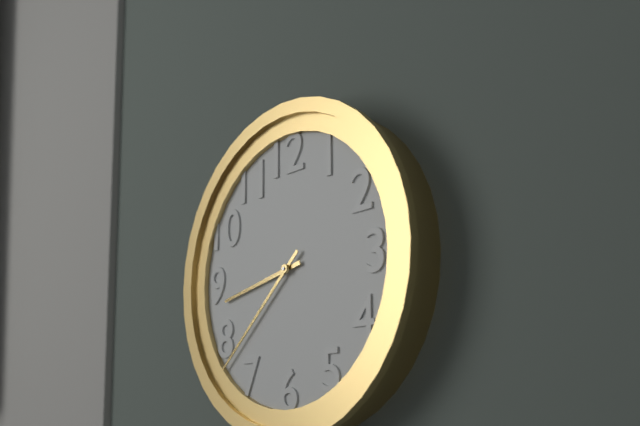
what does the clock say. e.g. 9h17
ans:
8h38
